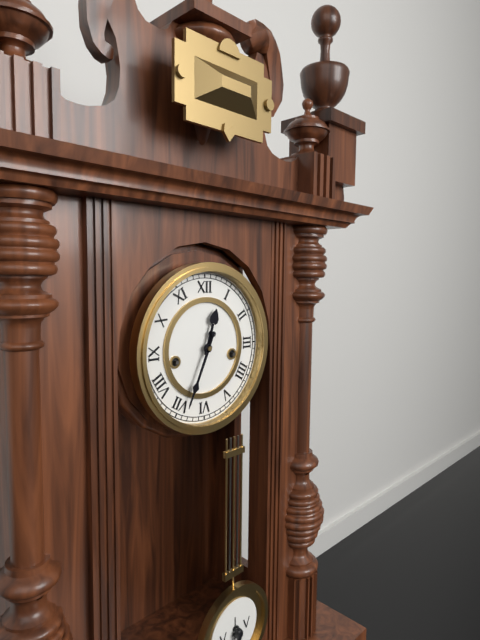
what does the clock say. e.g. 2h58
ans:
12h34
